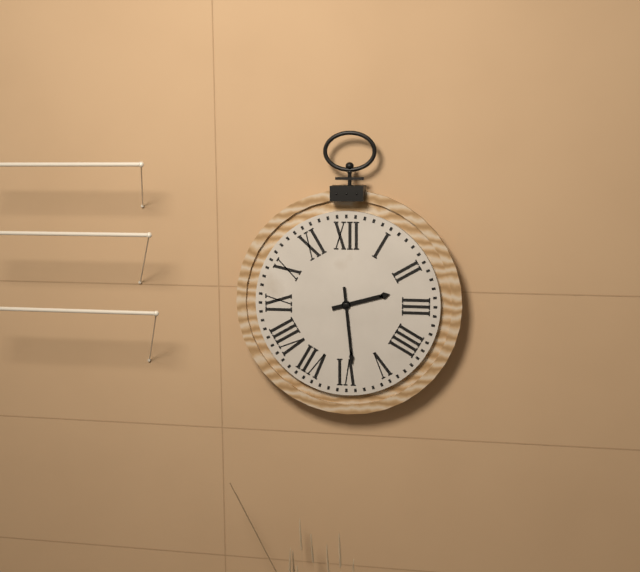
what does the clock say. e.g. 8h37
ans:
2h29
